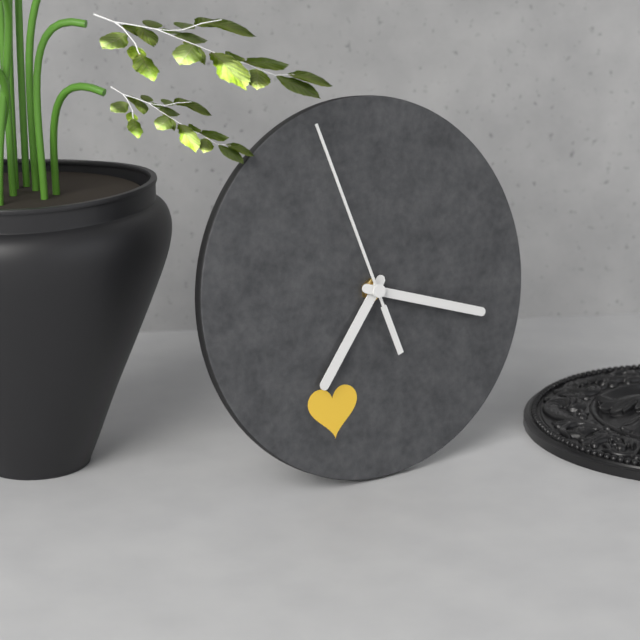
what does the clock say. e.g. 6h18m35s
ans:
7h18m57s
